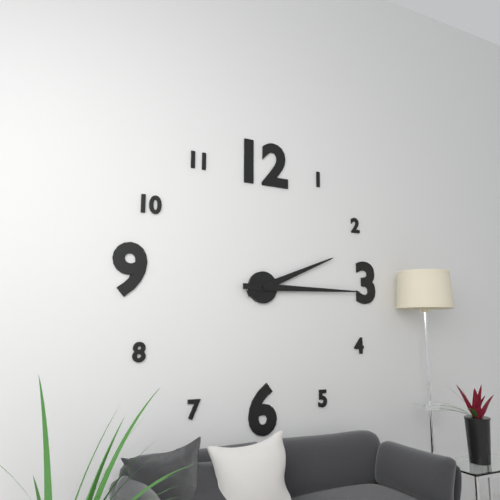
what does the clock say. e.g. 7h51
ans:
2h15
